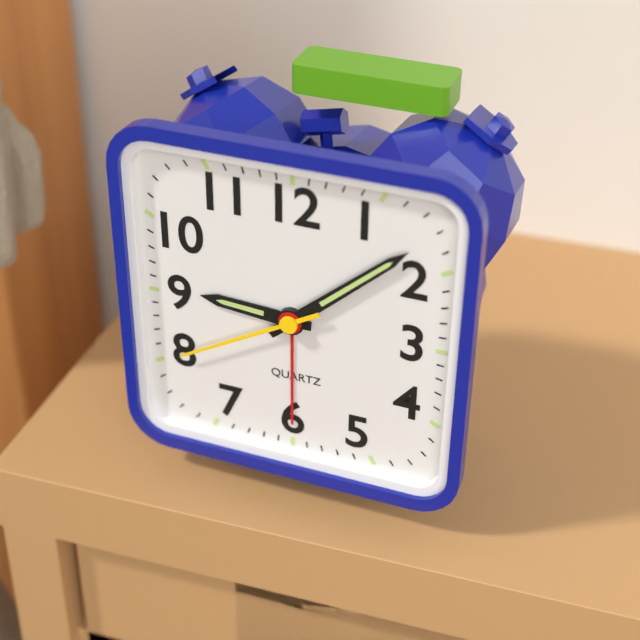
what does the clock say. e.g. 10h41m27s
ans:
9h08m40s
